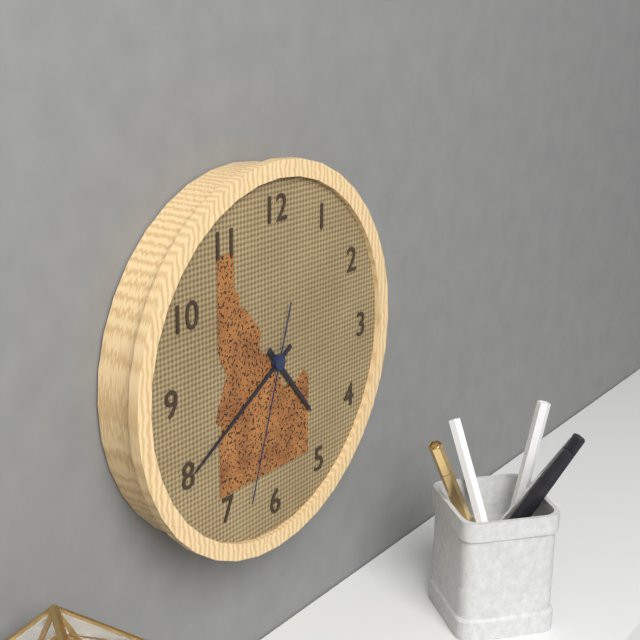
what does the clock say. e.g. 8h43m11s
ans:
4h40m33s
